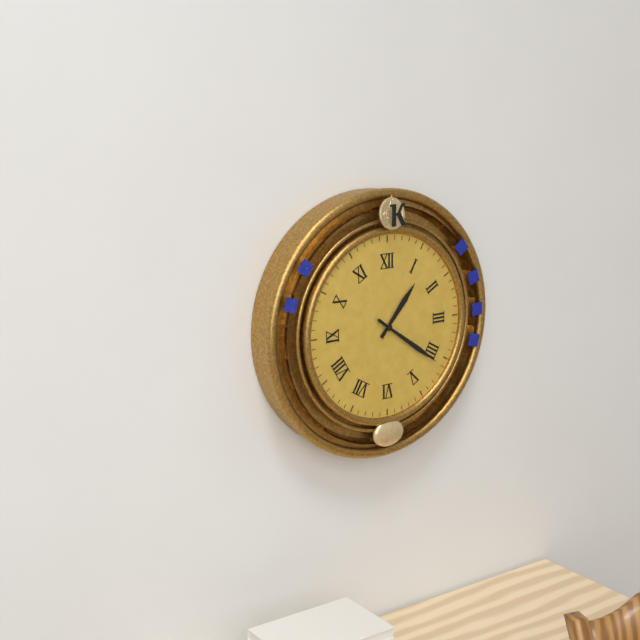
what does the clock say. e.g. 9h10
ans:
1h21
